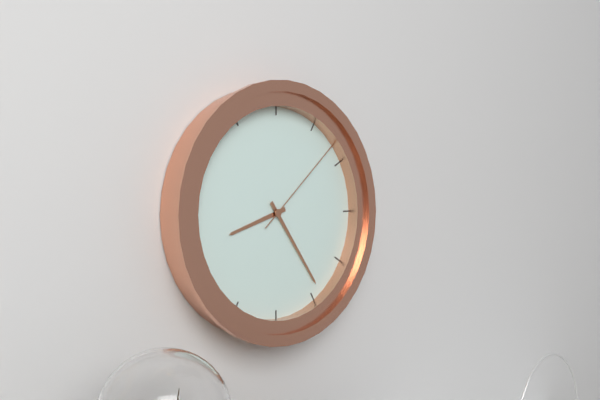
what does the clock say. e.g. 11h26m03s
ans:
8h24m08s
